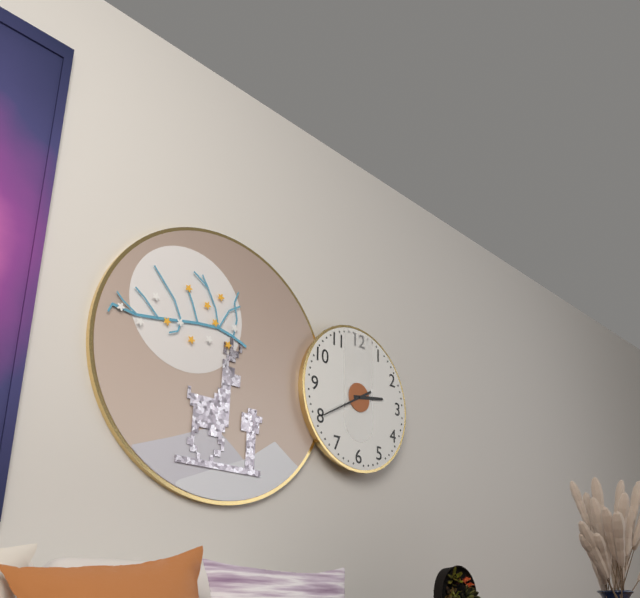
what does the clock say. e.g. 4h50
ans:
2h40
